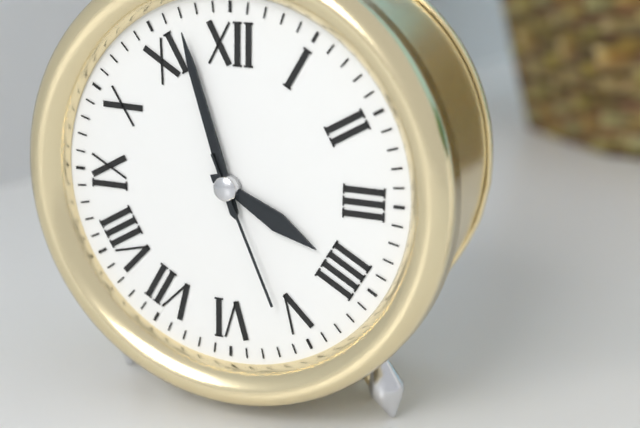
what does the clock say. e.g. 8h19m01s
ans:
3h57m26s
